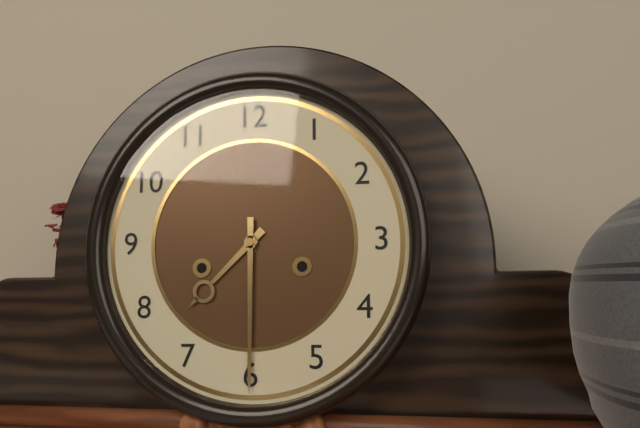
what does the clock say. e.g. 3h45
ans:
7h30
